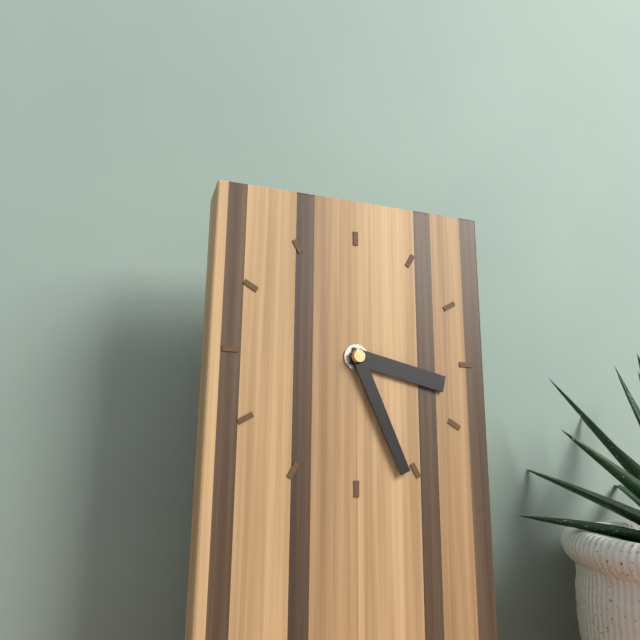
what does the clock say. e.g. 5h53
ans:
3h26
